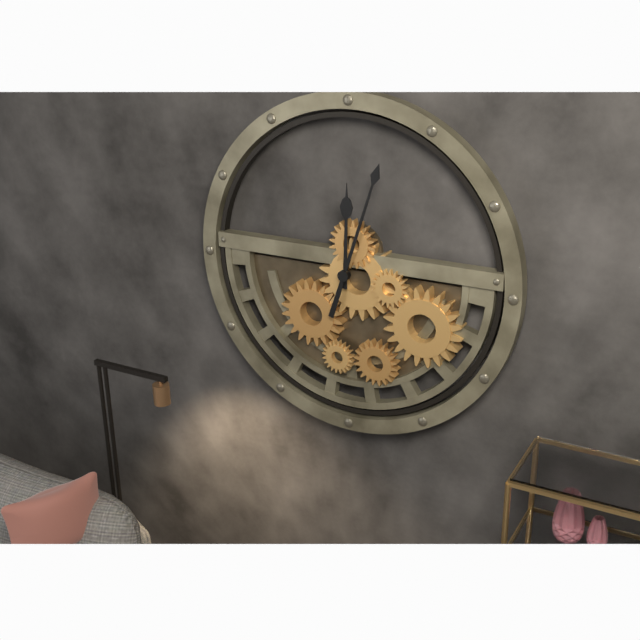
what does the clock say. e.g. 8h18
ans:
12h03
